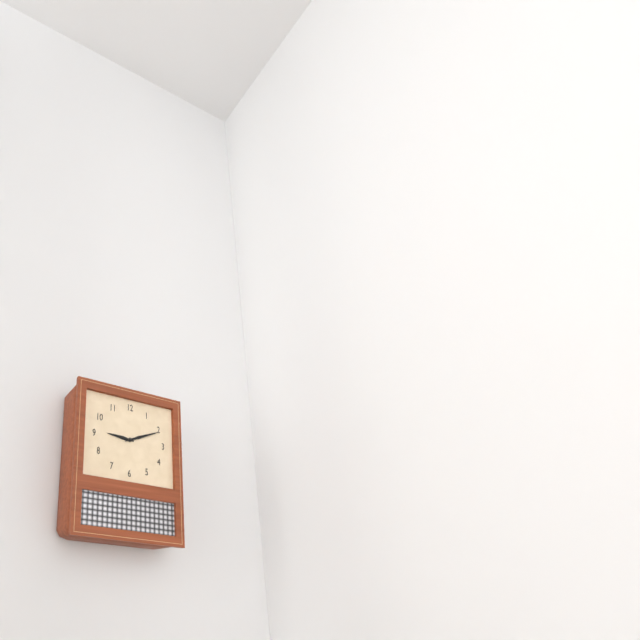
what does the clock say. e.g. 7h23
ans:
9h11
